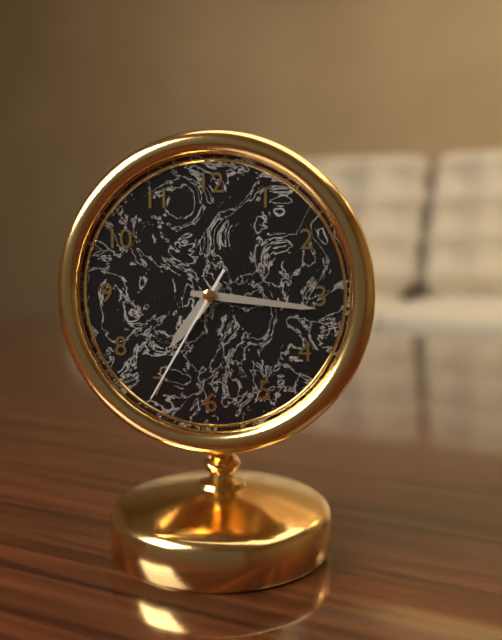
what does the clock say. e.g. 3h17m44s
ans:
7h16m35s
